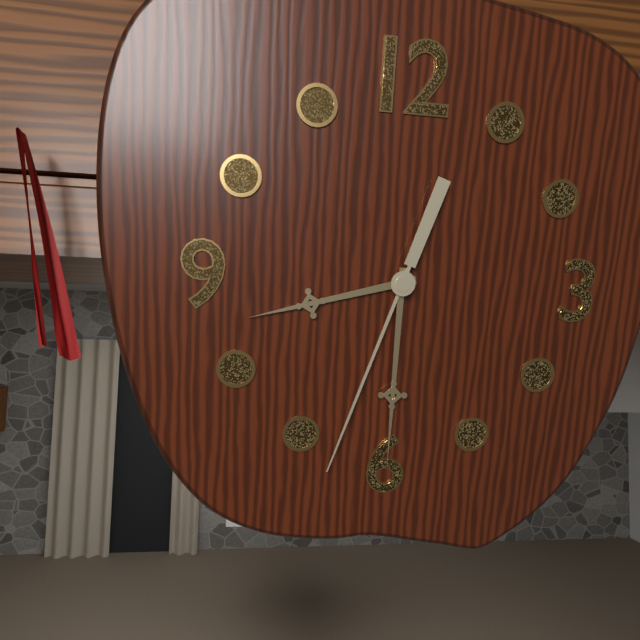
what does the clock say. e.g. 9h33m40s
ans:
8h30m33s
